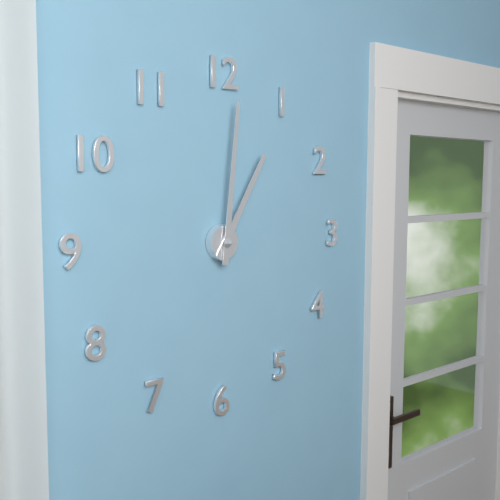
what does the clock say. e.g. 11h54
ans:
1h01
